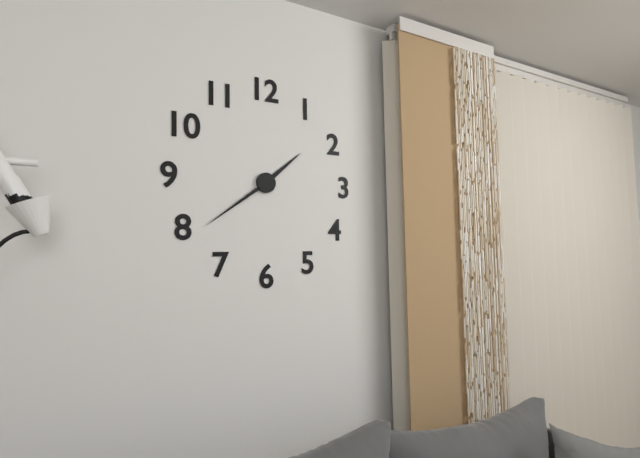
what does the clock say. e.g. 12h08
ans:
1h39
